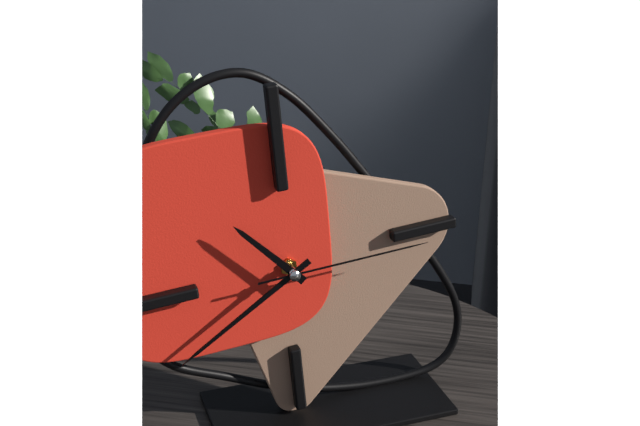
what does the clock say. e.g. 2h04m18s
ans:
10h40m15s
